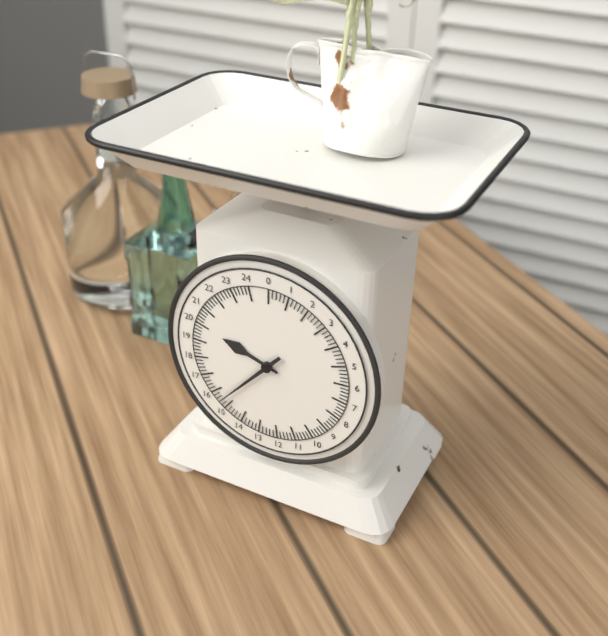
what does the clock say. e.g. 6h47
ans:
9h37
